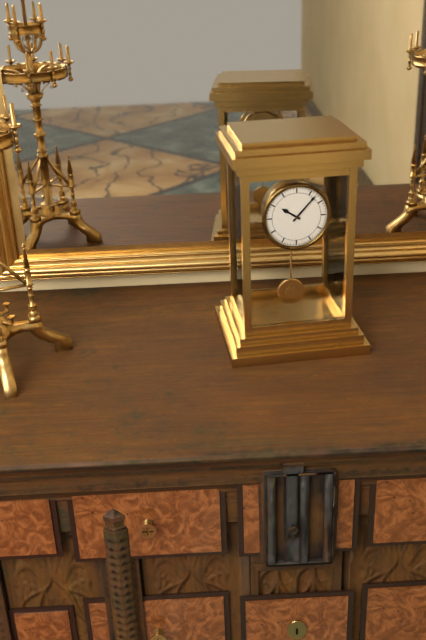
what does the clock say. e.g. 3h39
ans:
10h07
